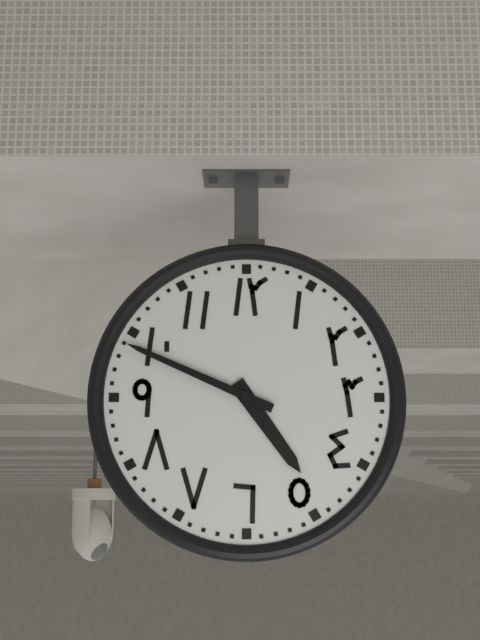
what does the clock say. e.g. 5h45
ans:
4h49
